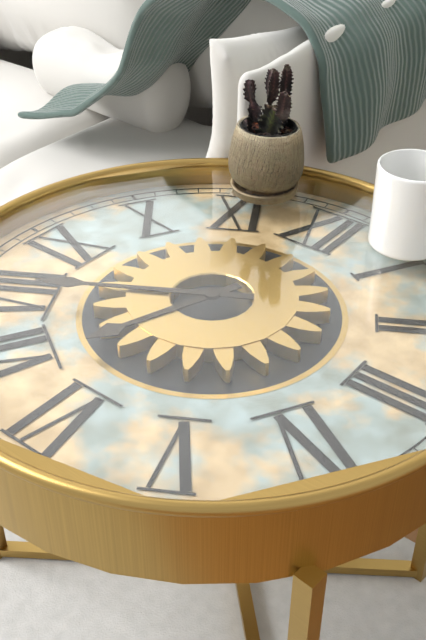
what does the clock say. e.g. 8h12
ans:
6h40
